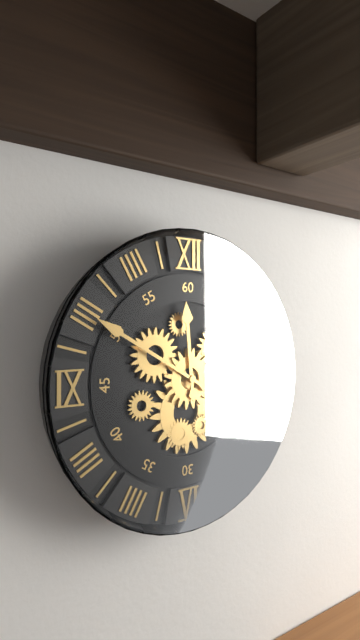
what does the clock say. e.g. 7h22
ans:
11h50
